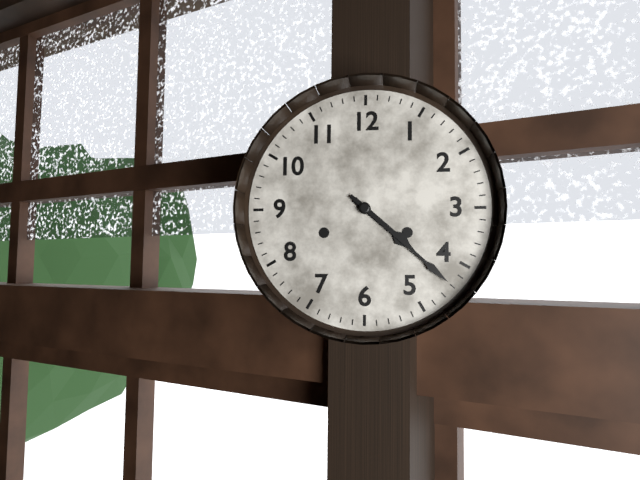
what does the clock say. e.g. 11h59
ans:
4h22
